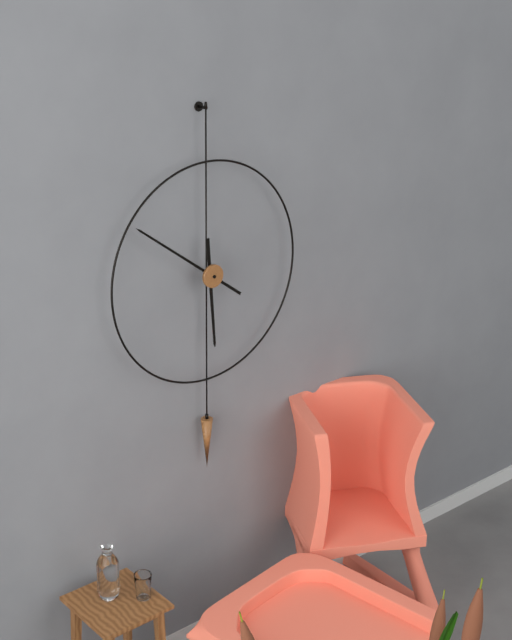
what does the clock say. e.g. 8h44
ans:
5h51
